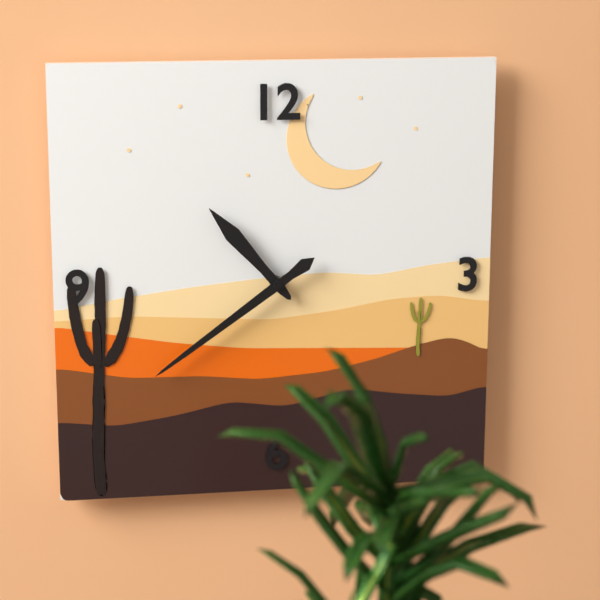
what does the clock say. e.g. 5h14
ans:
10h39
